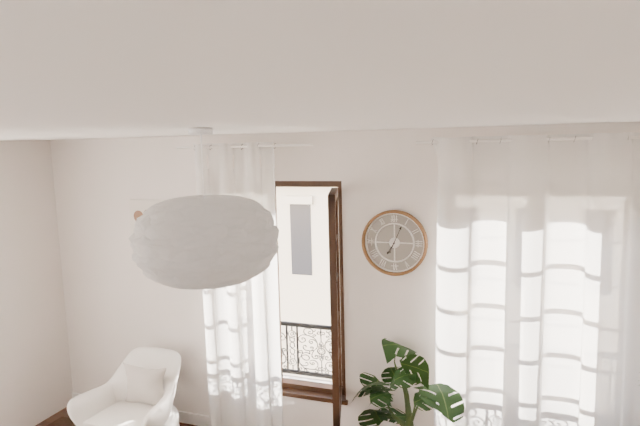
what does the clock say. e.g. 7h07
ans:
7h04
